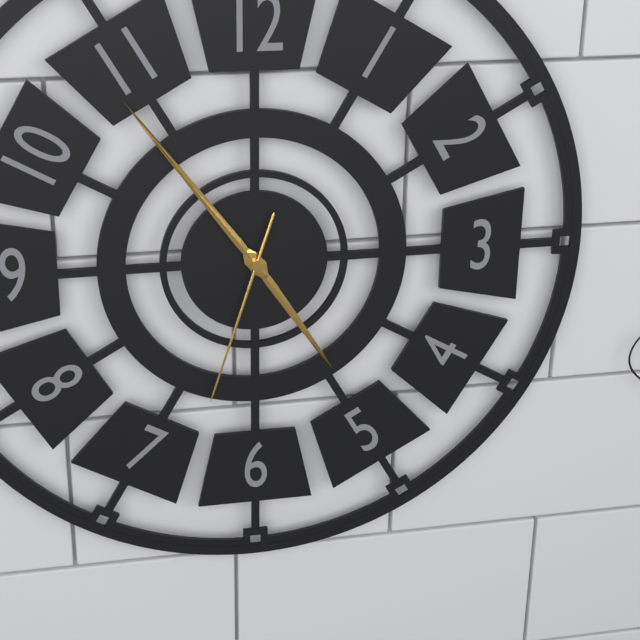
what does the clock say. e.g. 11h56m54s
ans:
4h54m33s
